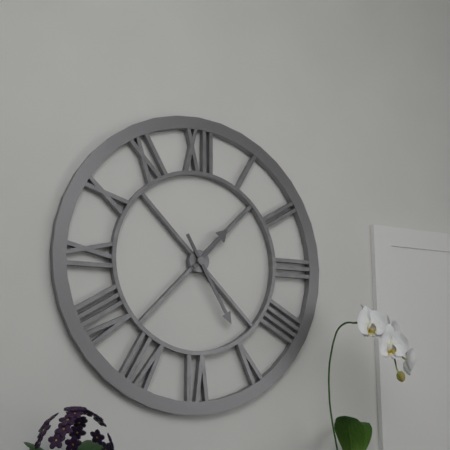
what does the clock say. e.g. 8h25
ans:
1h25
